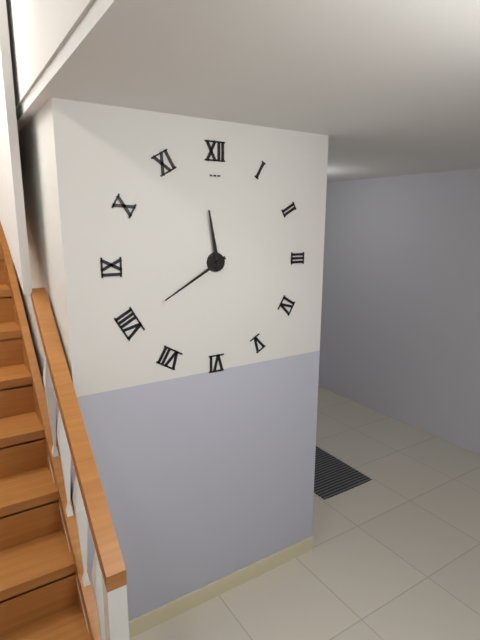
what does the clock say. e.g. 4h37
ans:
11h40
